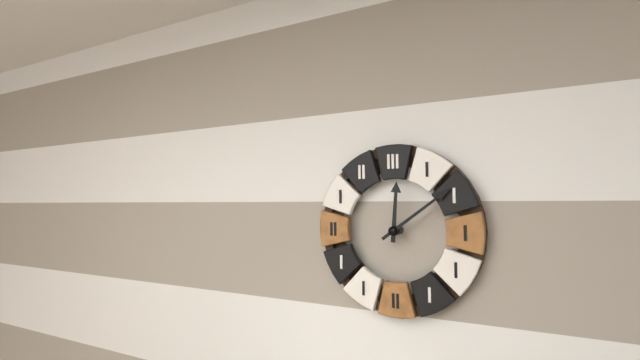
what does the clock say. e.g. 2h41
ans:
12h09
